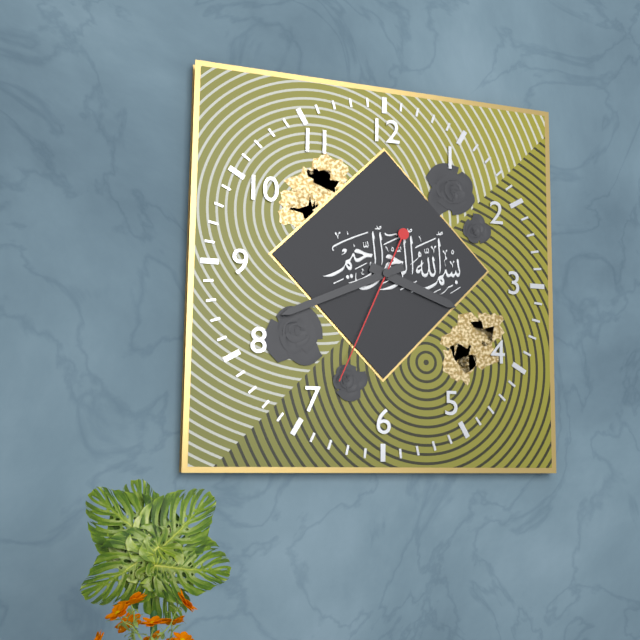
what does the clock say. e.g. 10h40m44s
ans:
3h41m34s
